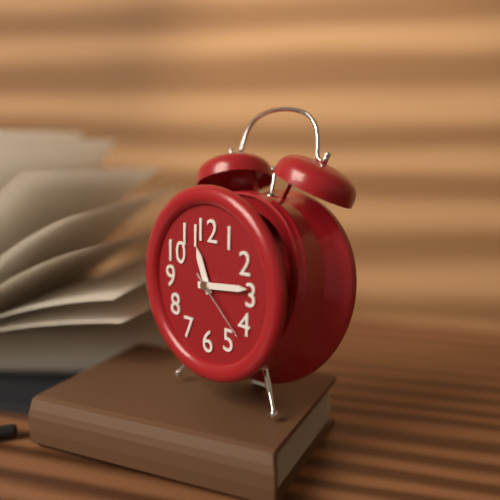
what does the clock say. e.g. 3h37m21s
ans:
11h14m22s
